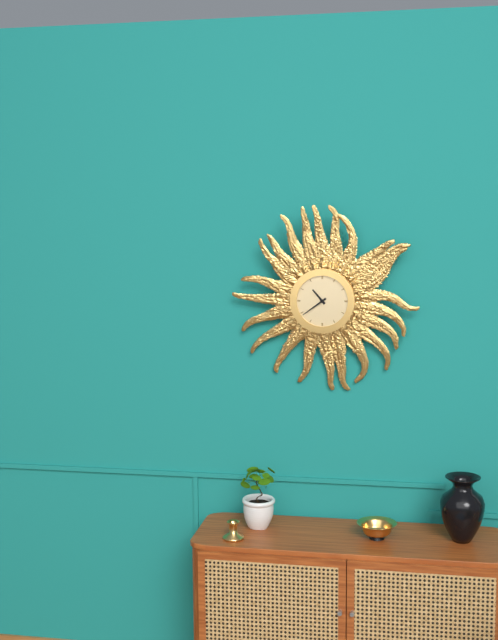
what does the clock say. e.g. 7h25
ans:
10h39
